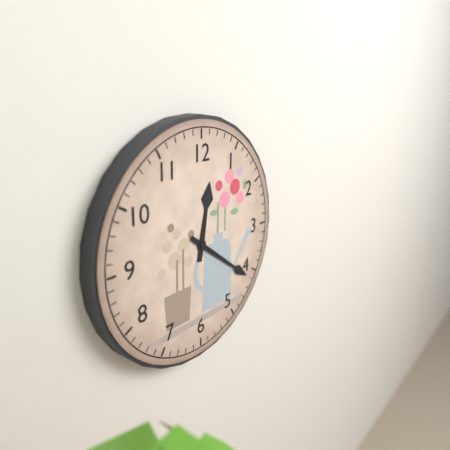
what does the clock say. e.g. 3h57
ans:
12h21
